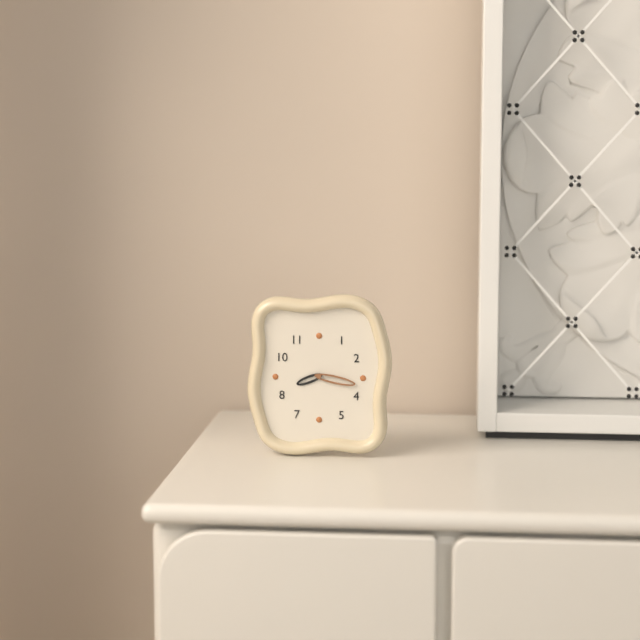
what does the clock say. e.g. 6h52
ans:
8h17
